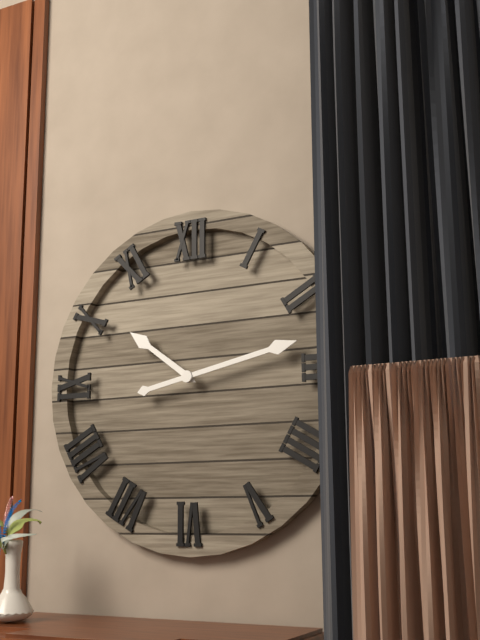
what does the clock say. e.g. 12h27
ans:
10h13
